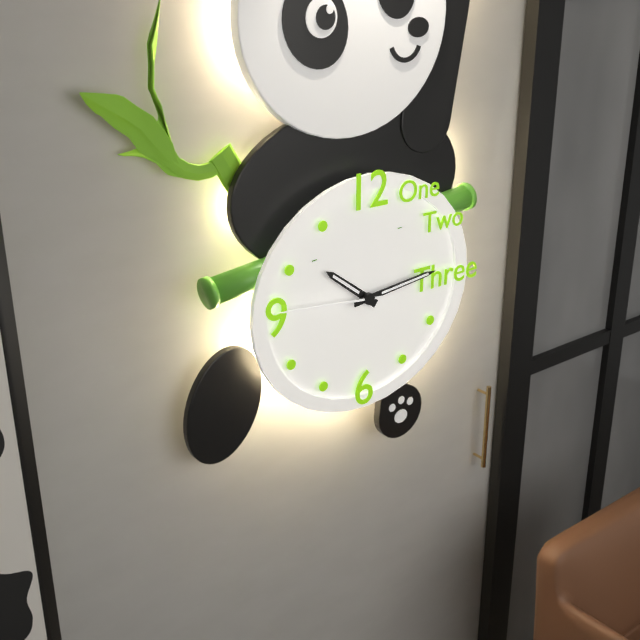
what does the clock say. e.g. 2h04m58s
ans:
10h14m46s
